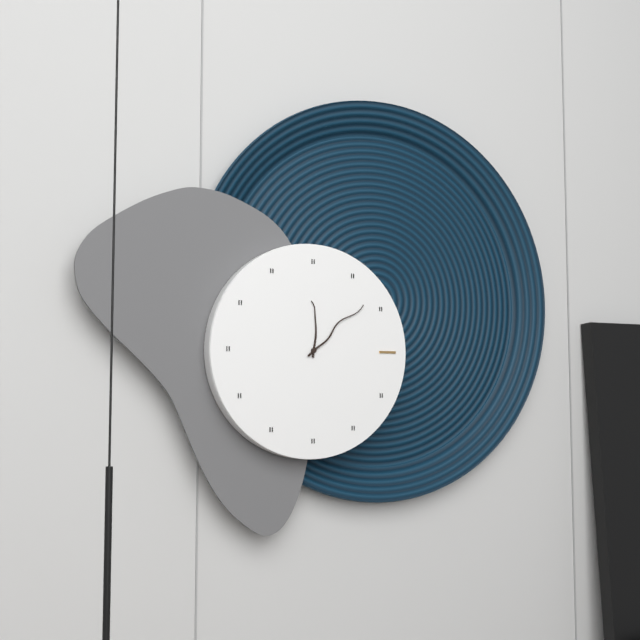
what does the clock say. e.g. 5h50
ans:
12h08
